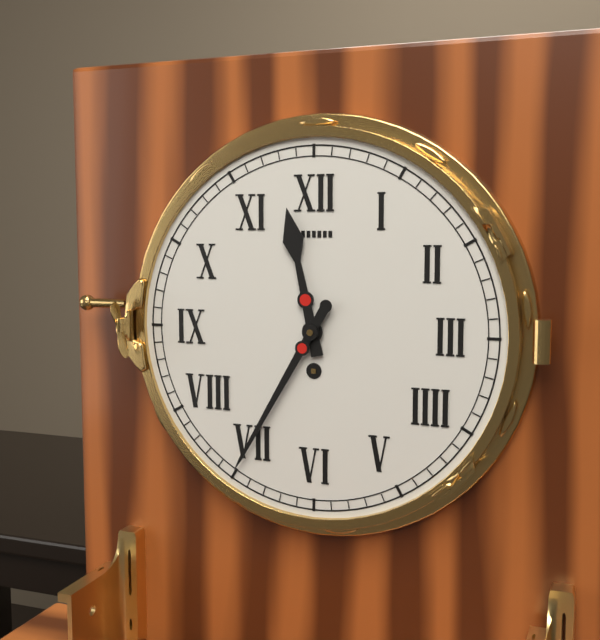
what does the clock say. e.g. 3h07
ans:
11h35
